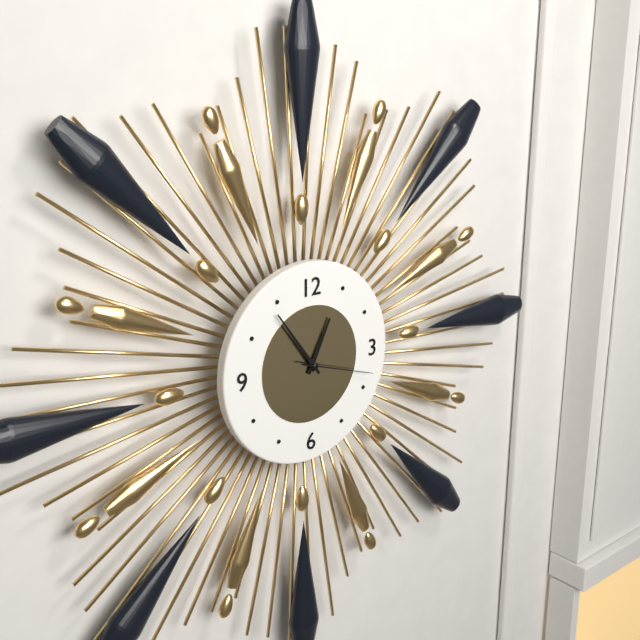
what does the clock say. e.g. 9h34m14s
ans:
12h54m18s
